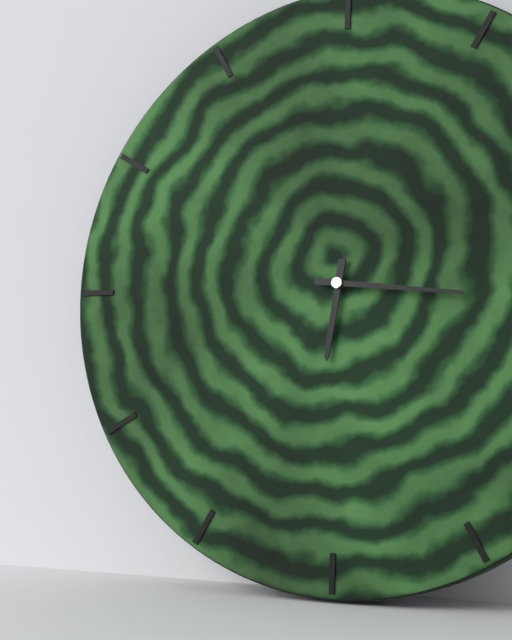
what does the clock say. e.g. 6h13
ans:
6h16
